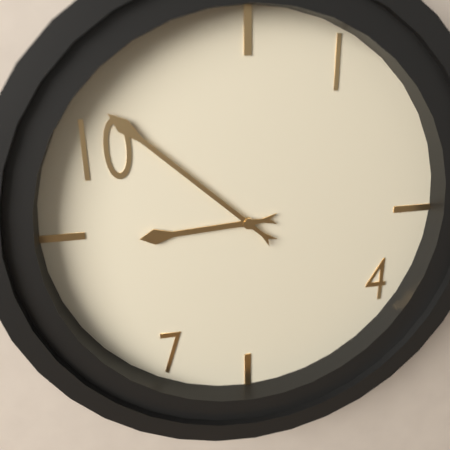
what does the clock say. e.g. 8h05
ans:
8h52
